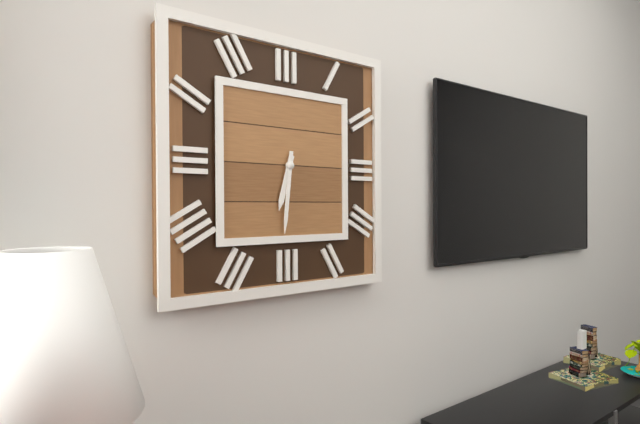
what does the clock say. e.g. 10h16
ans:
6h31
